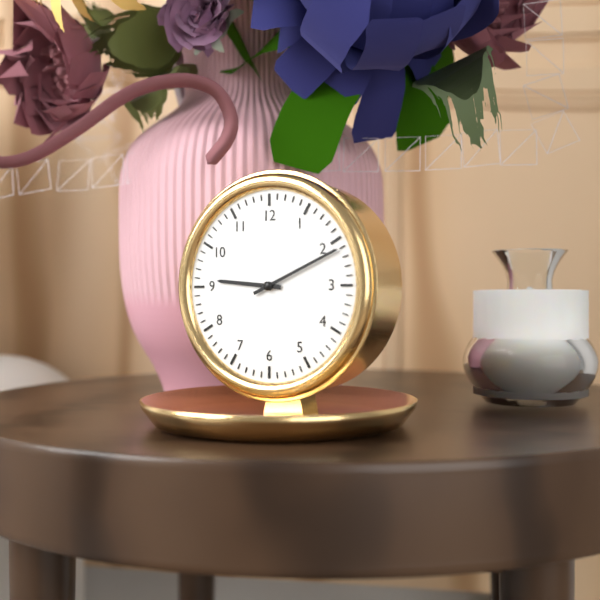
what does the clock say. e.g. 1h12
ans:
9h11
